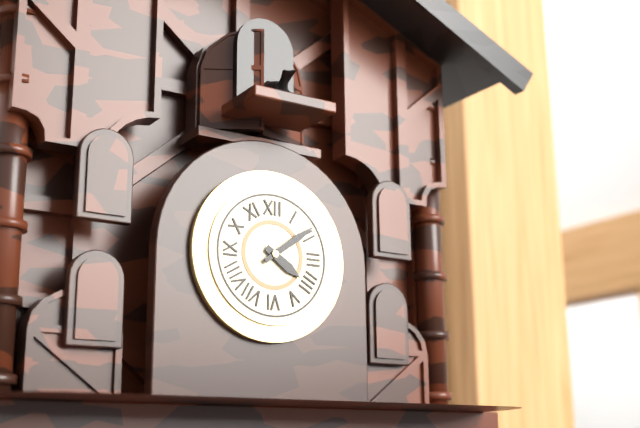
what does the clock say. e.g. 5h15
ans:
4h09
